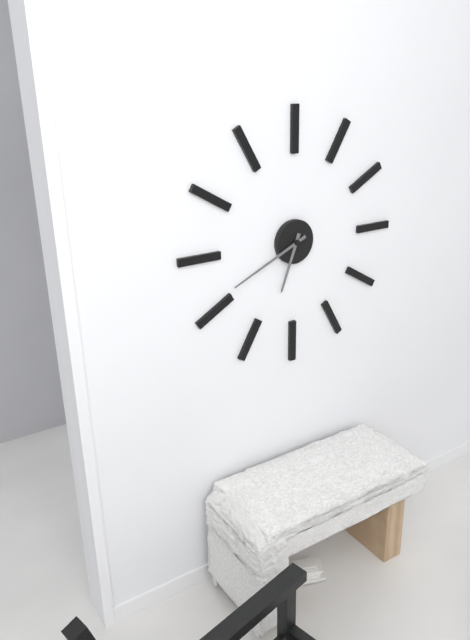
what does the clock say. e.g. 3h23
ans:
6h41
